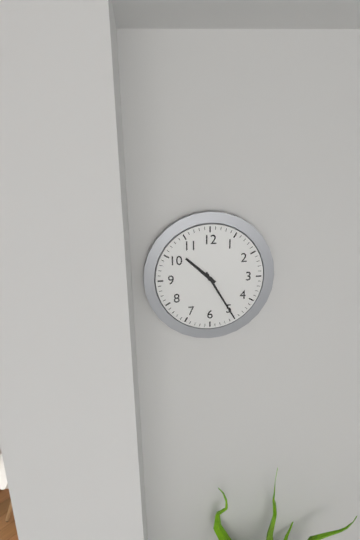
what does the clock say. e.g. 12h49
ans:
10h25
